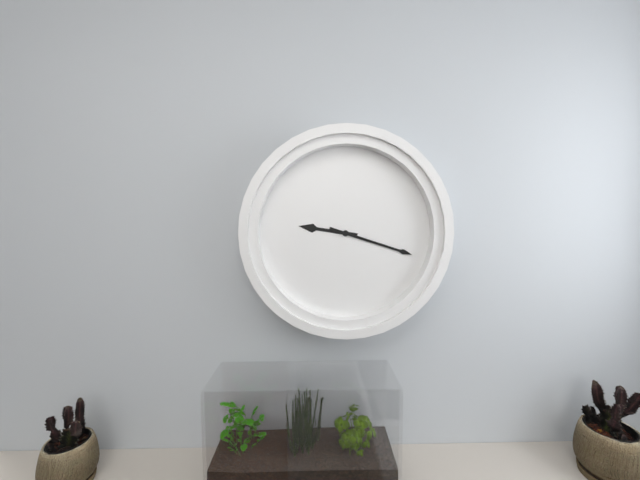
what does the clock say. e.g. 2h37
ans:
9h18
